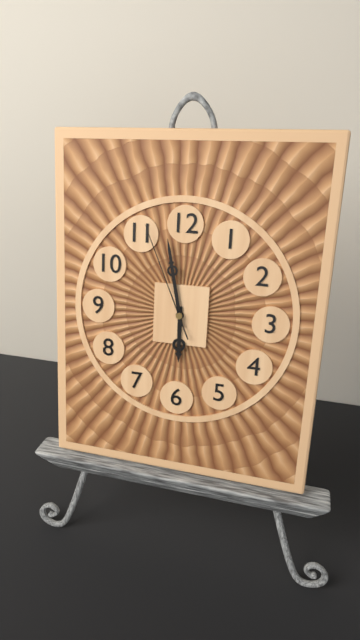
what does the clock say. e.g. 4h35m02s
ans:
5h58m56s
